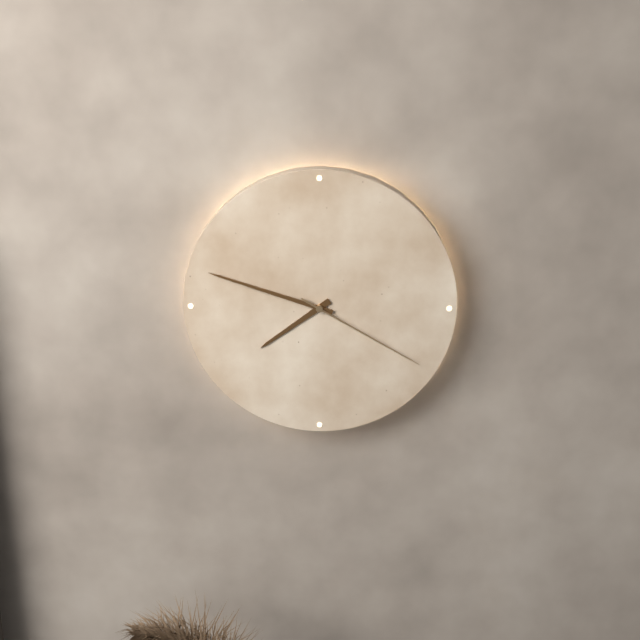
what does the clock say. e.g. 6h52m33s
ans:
7h48m20s
